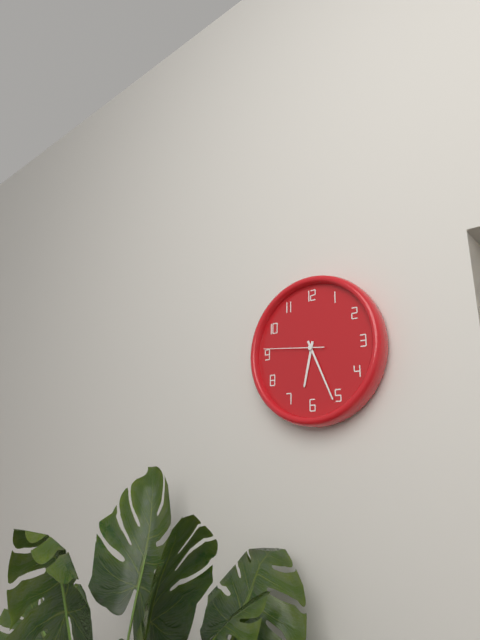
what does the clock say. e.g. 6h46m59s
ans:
6h26m46s
